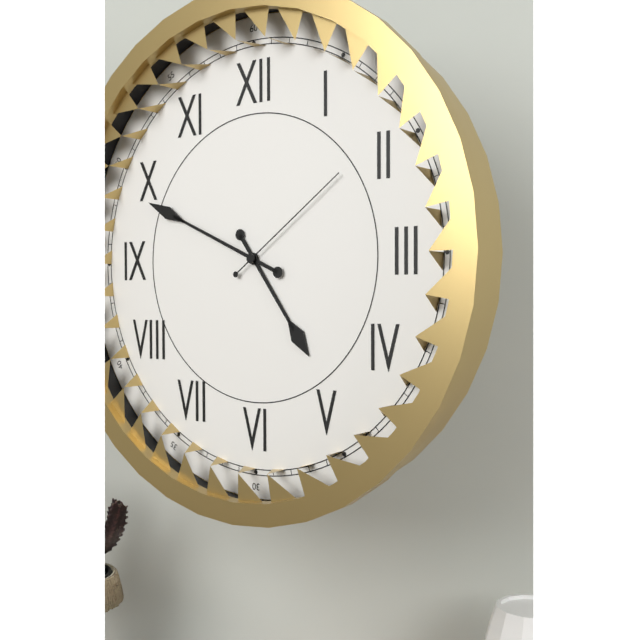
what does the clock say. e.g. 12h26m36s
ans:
4h49m09s
